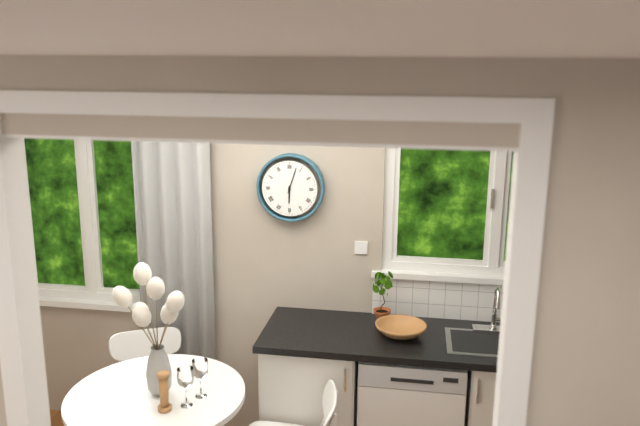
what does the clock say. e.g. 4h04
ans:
6h03
